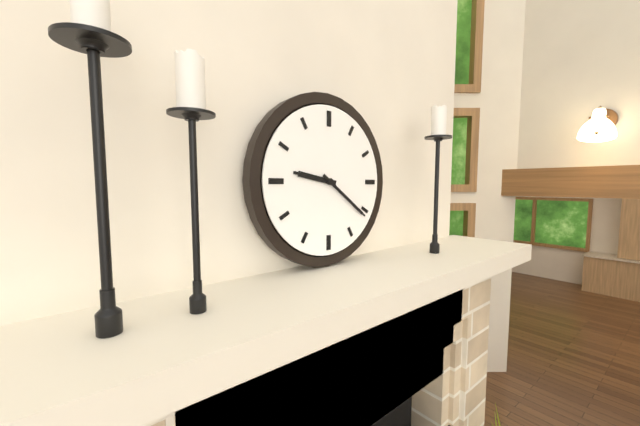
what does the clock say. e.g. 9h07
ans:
9h21
